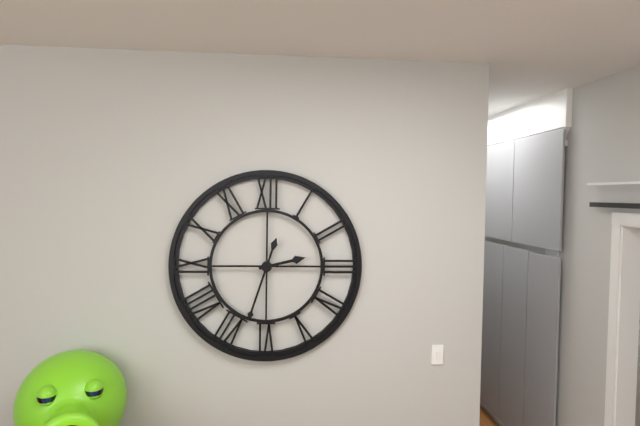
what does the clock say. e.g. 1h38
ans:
2h33
